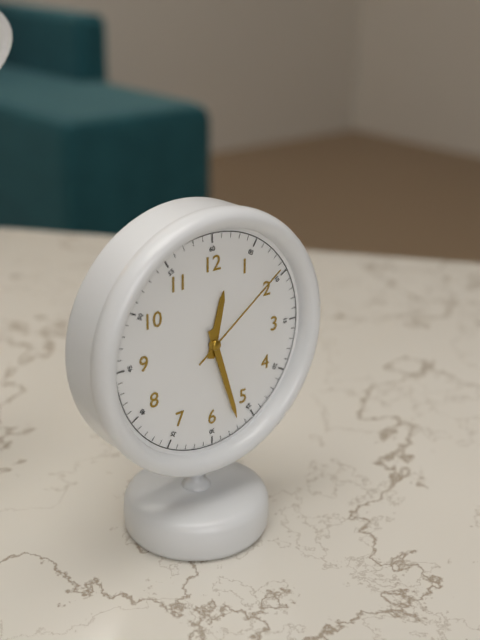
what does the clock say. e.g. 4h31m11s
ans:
12h27m09s
